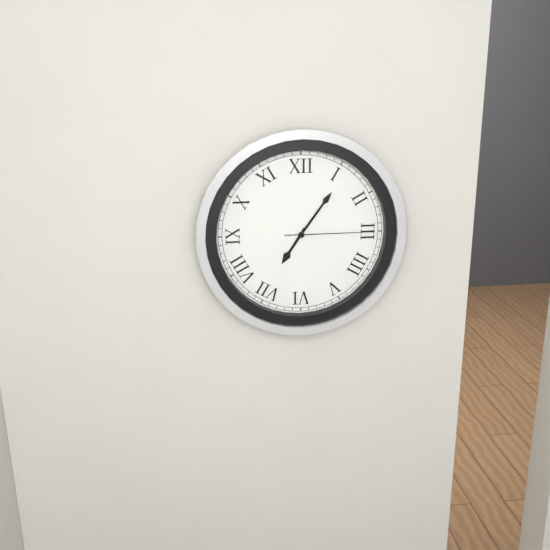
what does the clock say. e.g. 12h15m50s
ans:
7h06m15s
